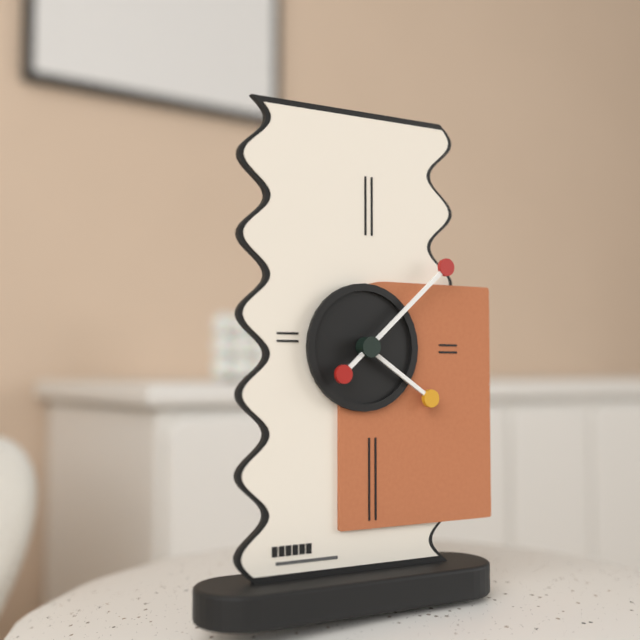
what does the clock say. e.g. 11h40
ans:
4h08
